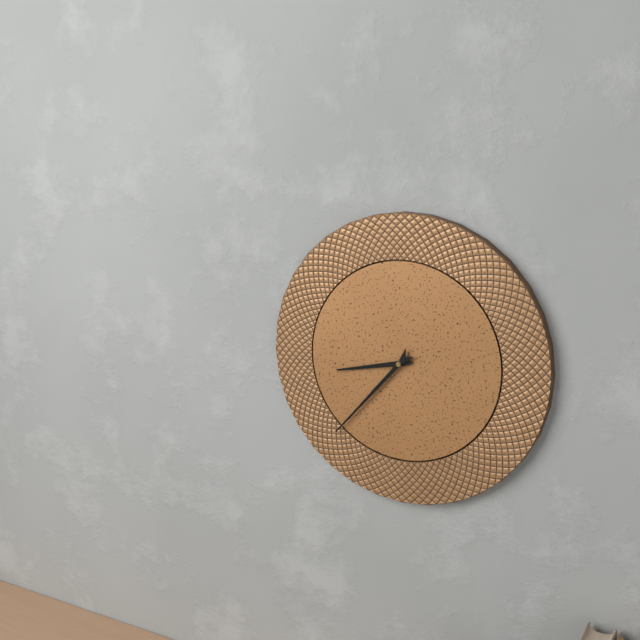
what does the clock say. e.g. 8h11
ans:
8h37
